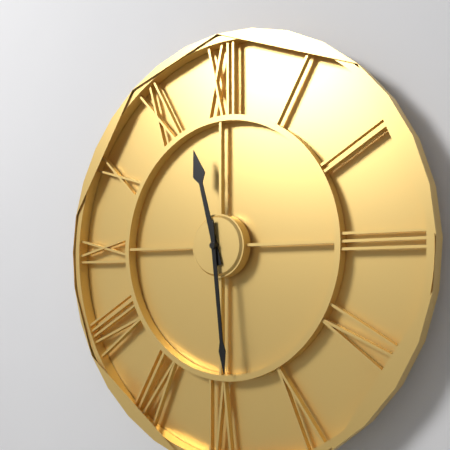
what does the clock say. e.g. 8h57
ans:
11h29
